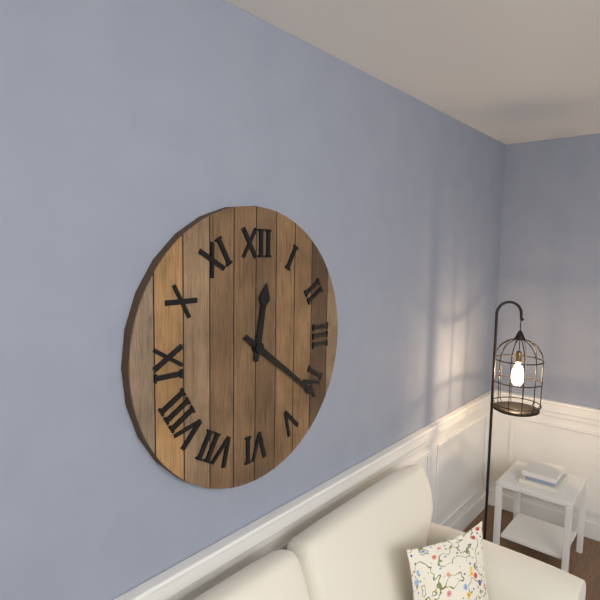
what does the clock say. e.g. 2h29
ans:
12h21
